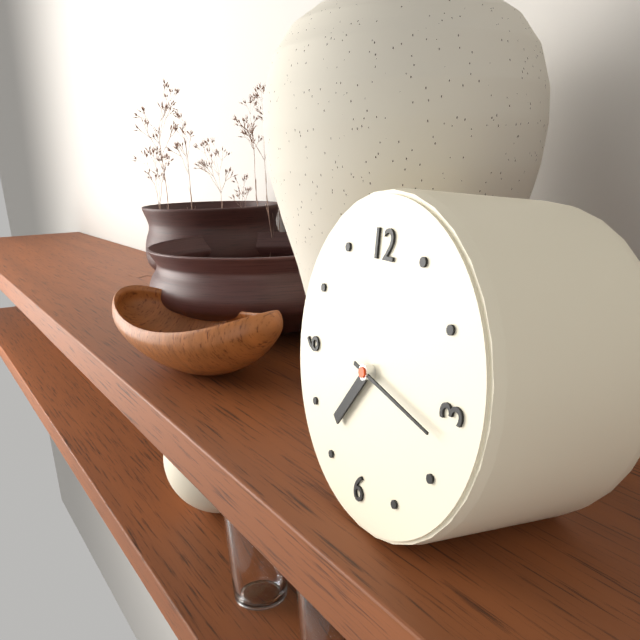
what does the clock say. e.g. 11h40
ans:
7h17
